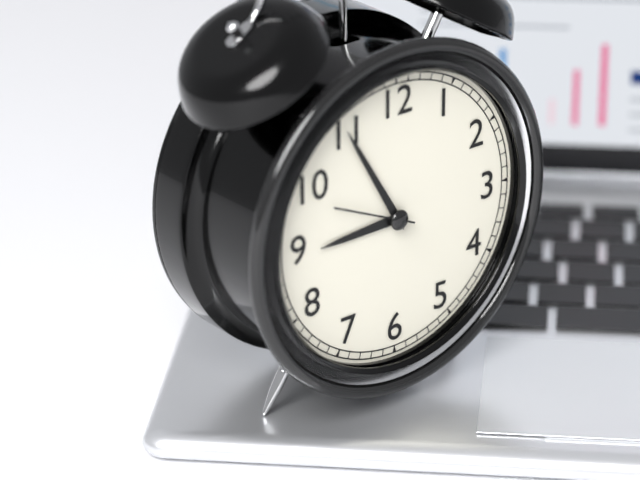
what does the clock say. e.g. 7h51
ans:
8h55
